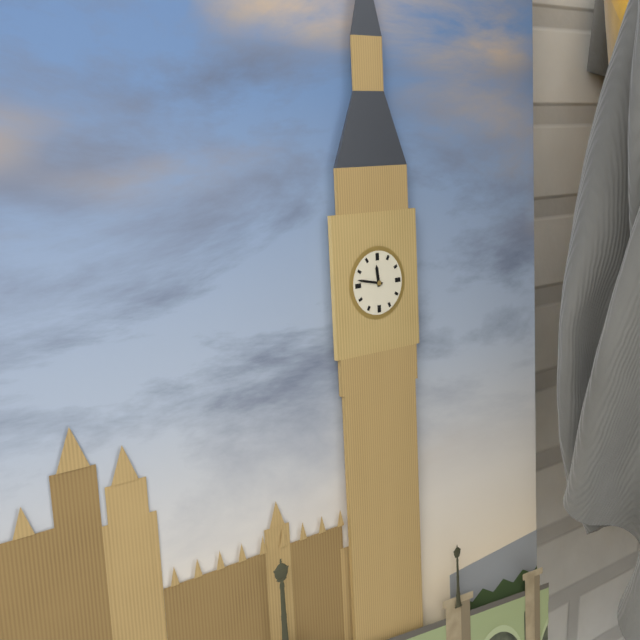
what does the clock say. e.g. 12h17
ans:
11h47
